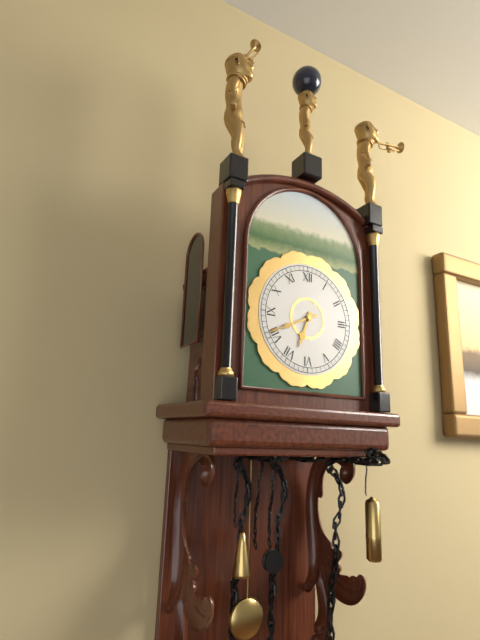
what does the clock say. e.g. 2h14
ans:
6h41
